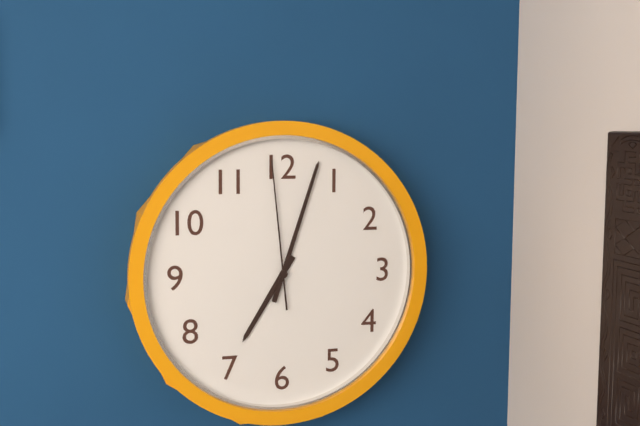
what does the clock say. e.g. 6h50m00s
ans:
7h03m59s
